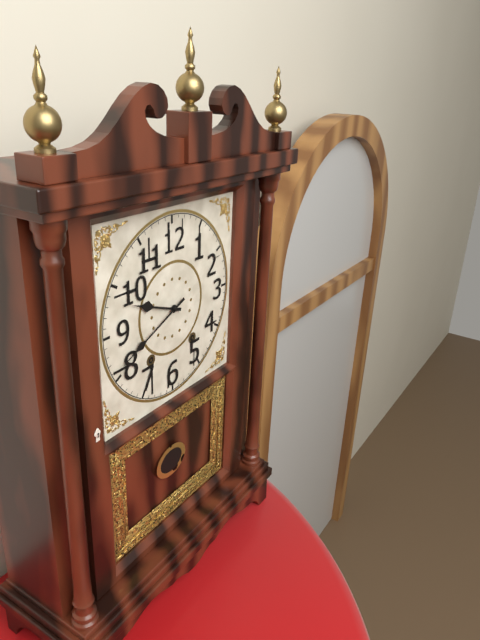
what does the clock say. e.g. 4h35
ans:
9h41
